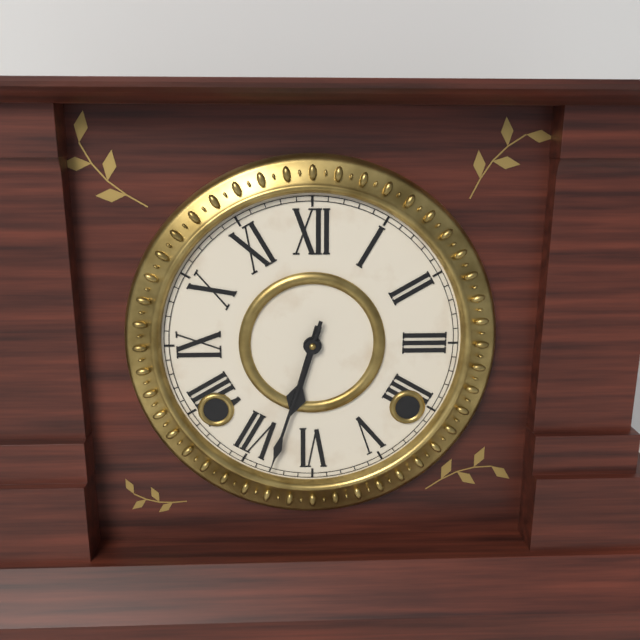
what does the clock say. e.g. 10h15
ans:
6h33
